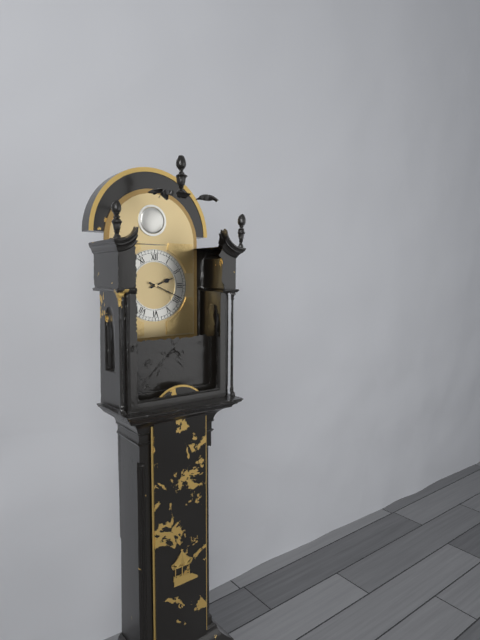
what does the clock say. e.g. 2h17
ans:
2h19
